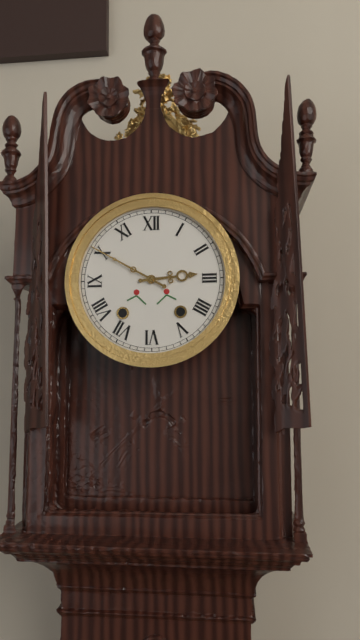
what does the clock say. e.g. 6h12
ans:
2h50
